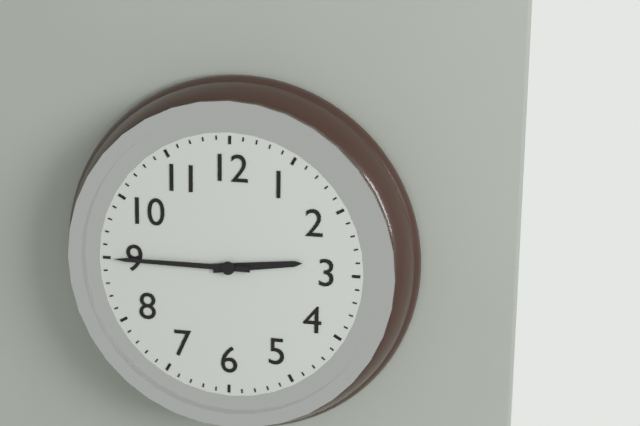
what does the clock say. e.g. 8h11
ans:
2h45
